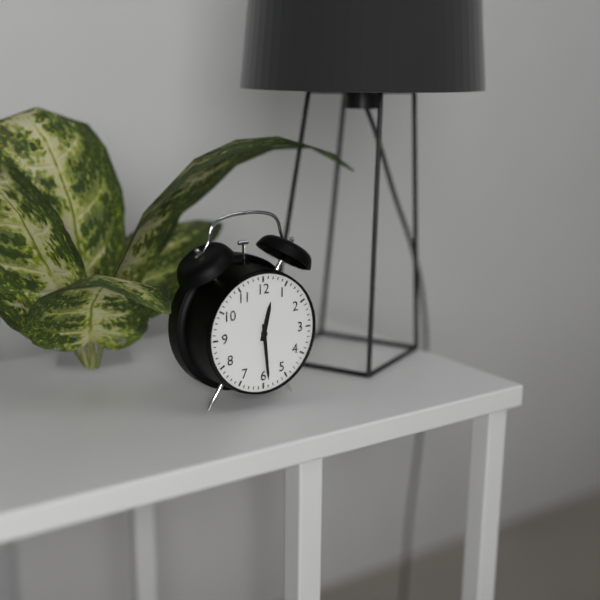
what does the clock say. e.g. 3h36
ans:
12h29
